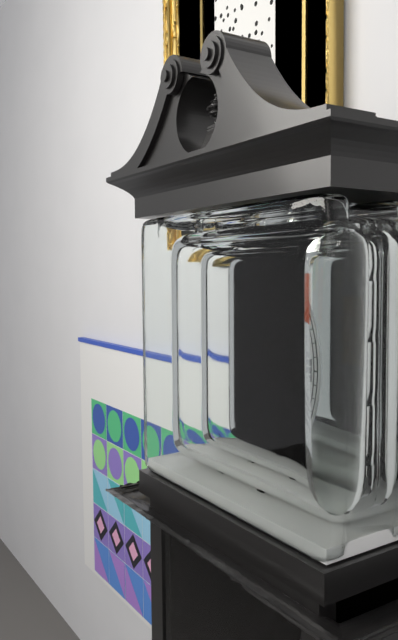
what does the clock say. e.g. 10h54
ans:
9h44
